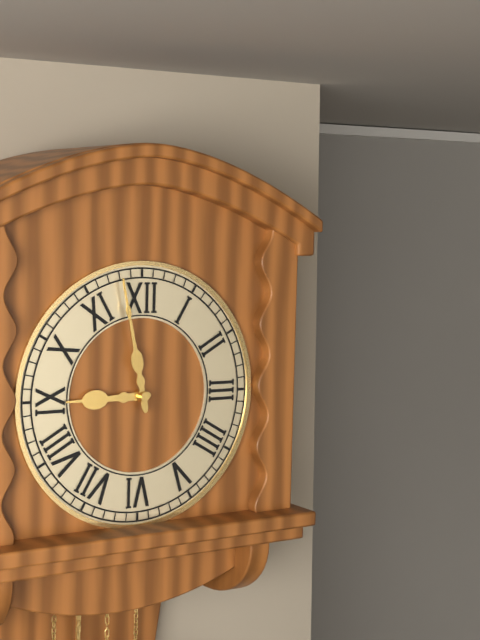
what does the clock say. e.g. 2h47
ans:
8h58
